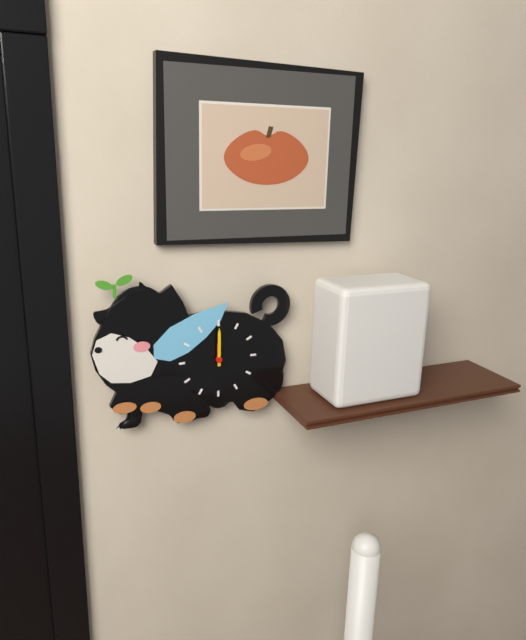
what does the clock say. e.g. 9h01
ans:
12h00
